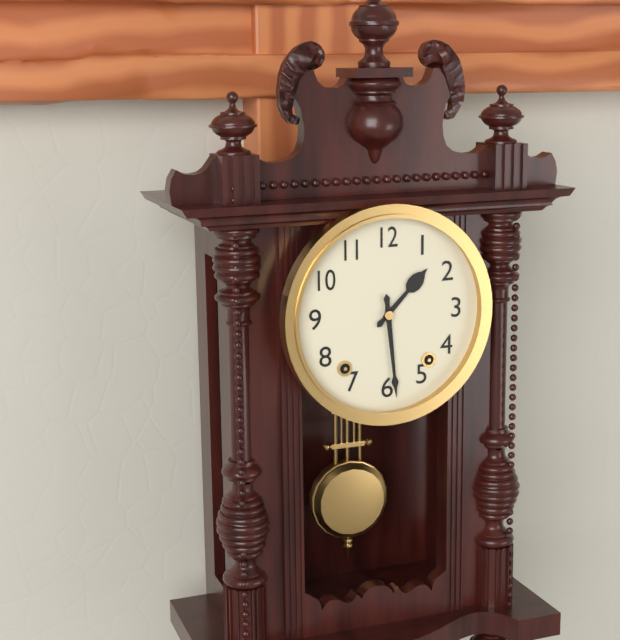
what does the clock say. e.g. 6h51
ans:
1h29
